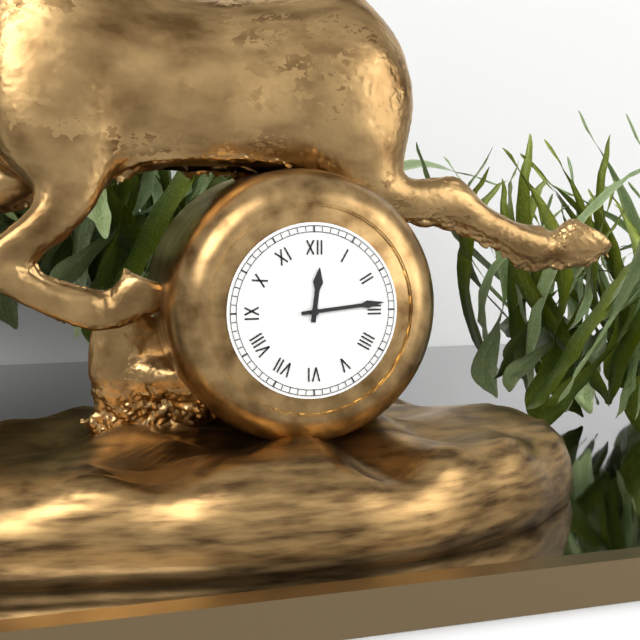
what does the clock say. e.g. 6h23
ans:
12h14
